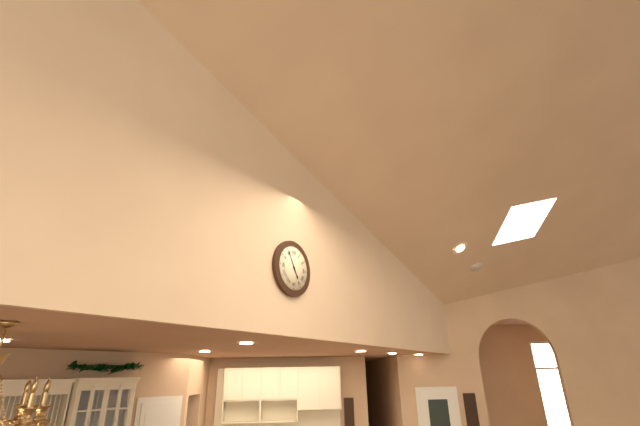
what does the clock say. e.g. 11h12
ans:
4h55
